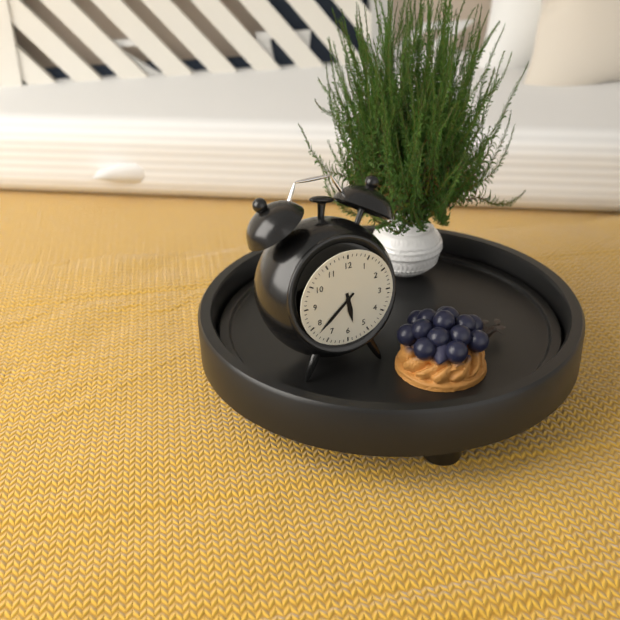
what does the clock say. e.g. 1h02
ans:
5h38
